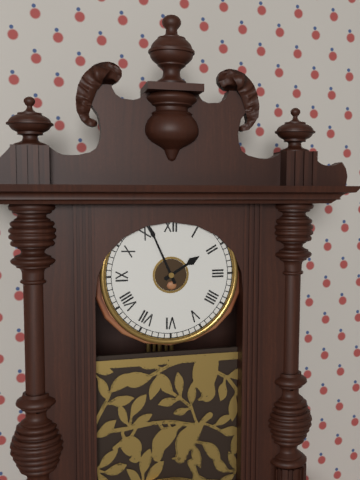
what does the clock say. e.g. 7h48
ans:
1h56
